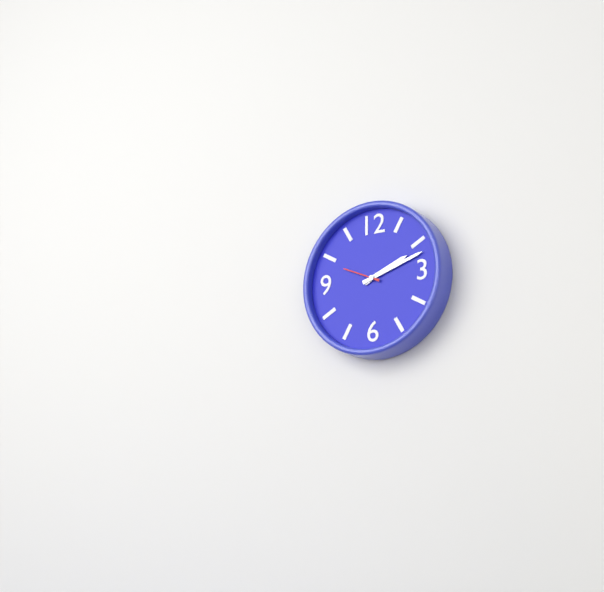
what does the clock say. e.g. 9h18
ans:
2h12
